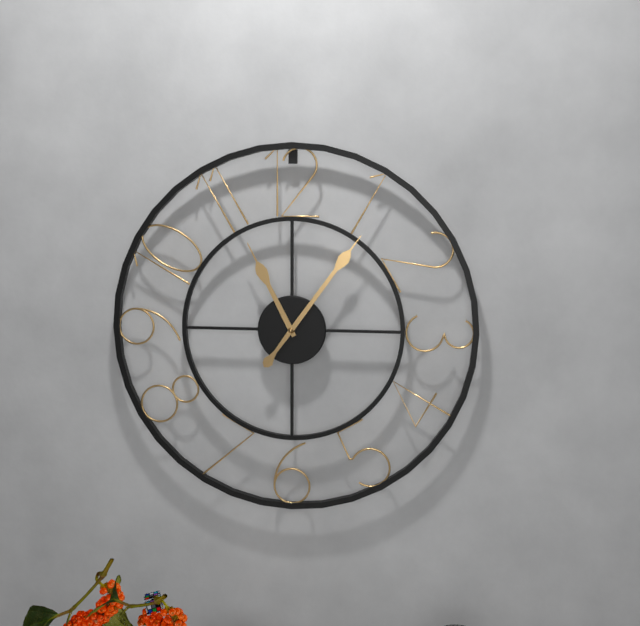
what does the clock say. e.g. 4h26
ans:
11h06
